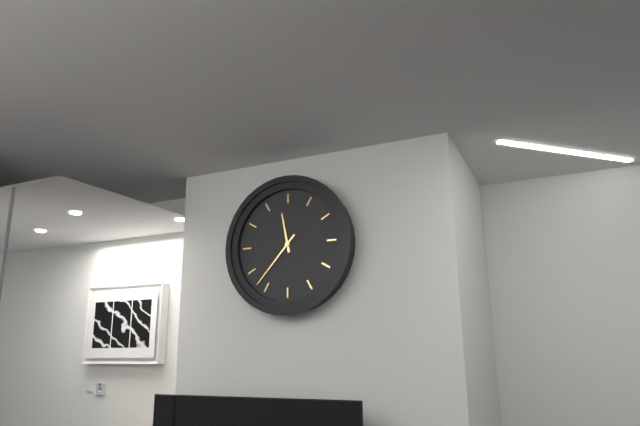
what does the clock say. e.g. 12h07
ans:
11h37
